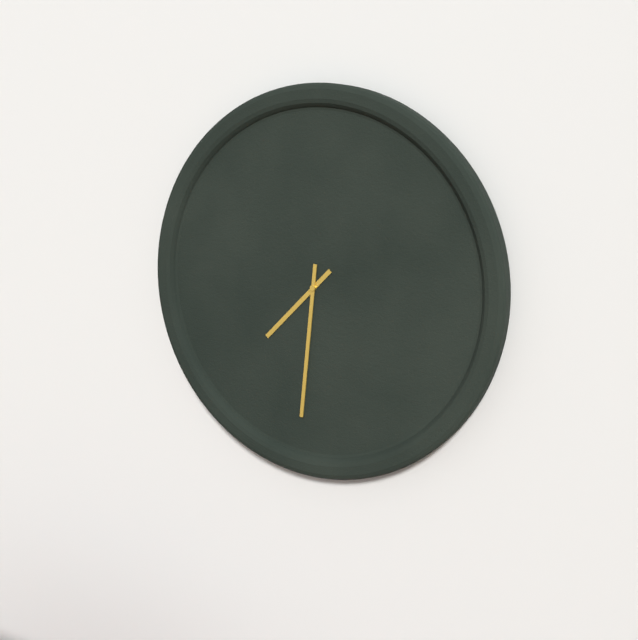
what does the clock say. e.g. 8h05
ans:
7h31
